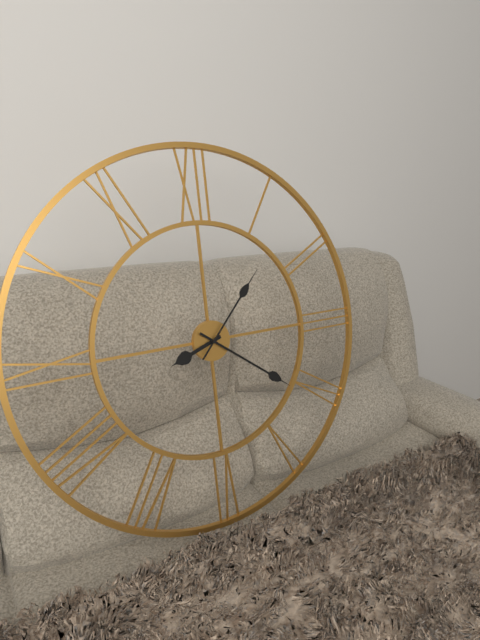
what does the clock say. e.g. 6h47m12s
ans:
8h21m07s
